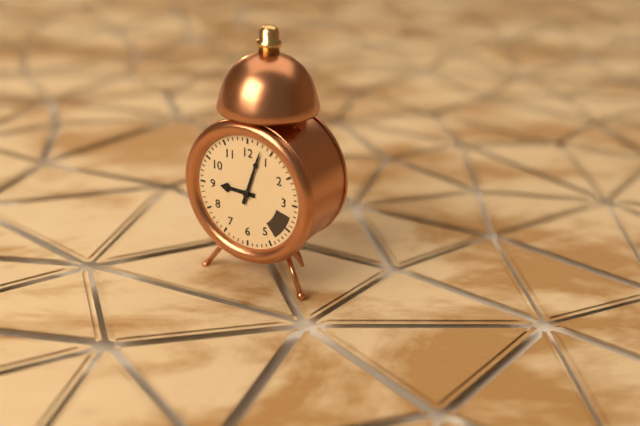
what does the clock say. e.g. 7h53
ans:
9h03
